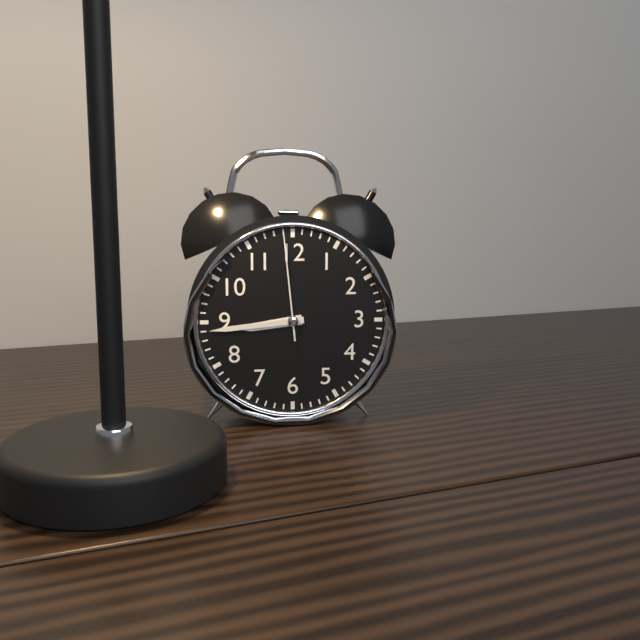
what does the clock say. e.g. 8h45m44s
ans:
8h44m59s
